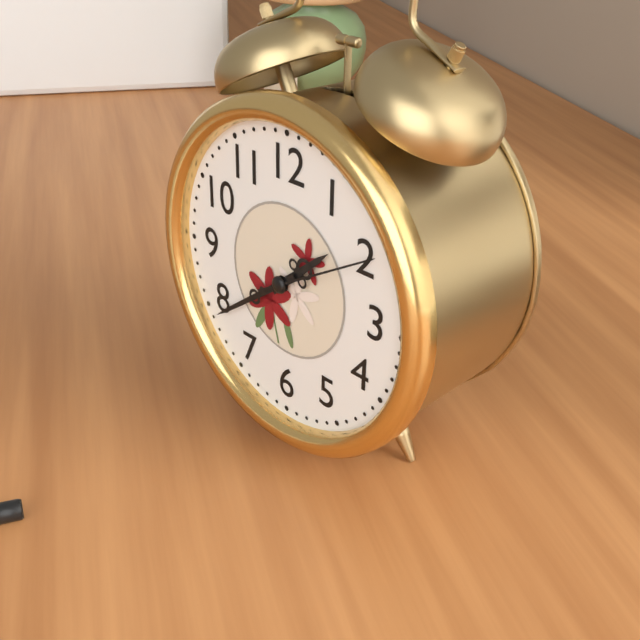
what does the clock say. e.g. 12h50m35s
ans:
1h39m10s
